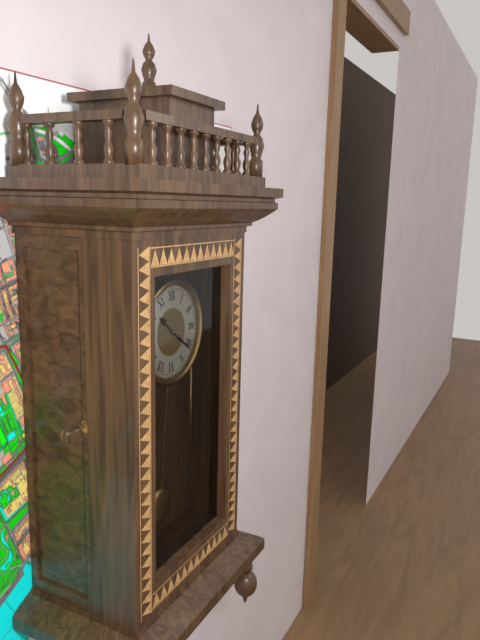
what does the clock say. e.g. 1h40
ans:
10h21
